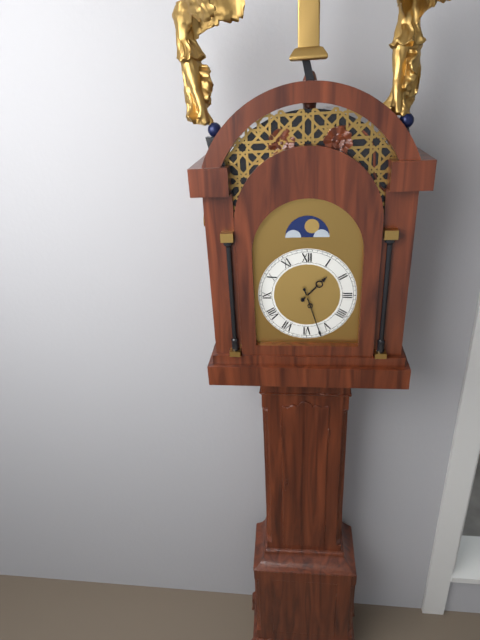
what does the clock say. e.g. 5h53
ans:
1h27
